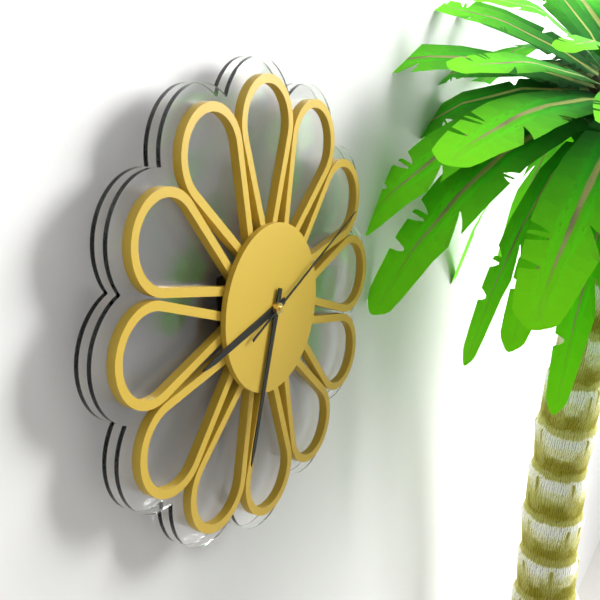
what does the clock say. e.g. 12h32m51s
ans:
8h33m11s
